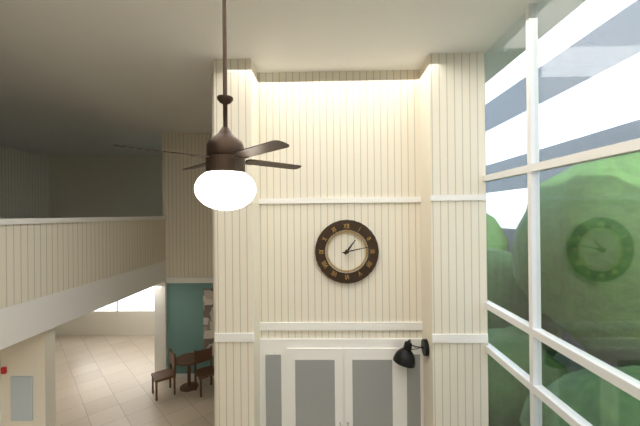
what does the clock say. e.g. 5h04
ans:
1h13
